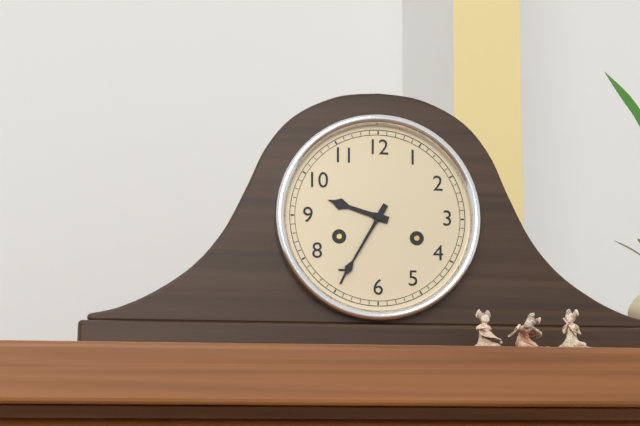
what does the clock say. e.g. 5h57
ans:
9h35
